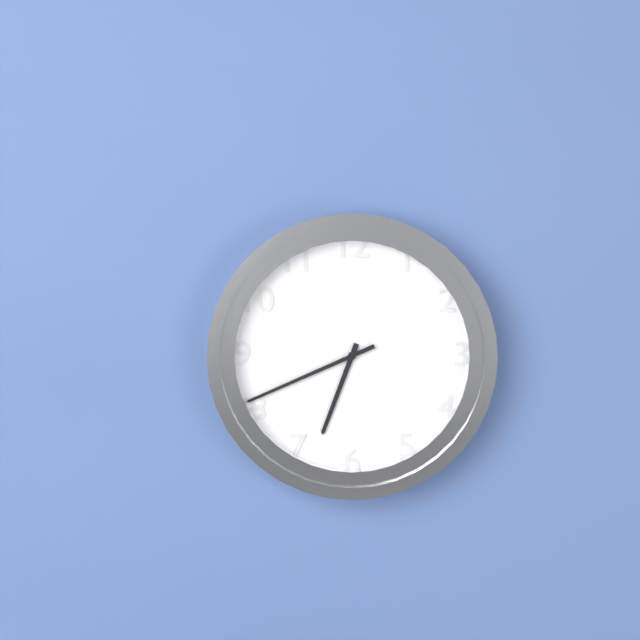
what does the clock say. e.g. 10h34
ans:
6h41
